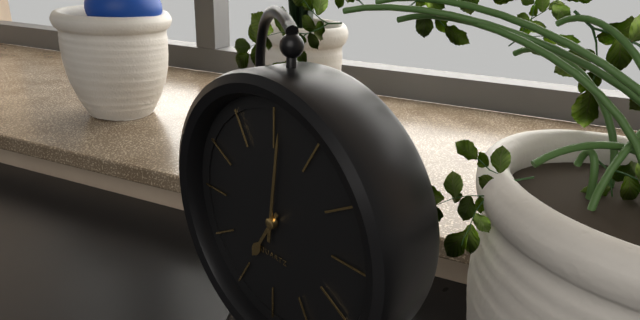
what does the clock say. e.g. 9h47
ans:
7h01
